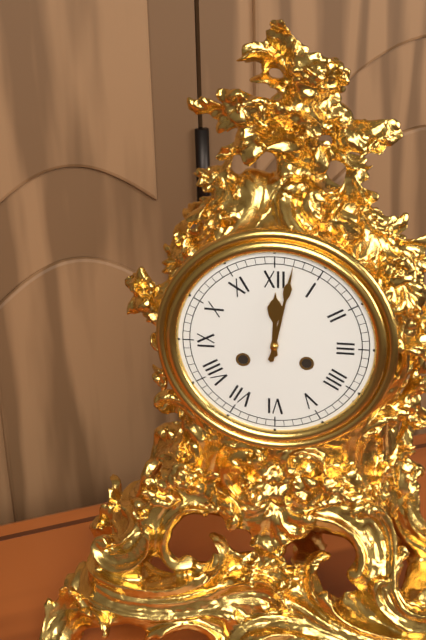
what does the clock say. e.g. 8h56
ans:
12h02
